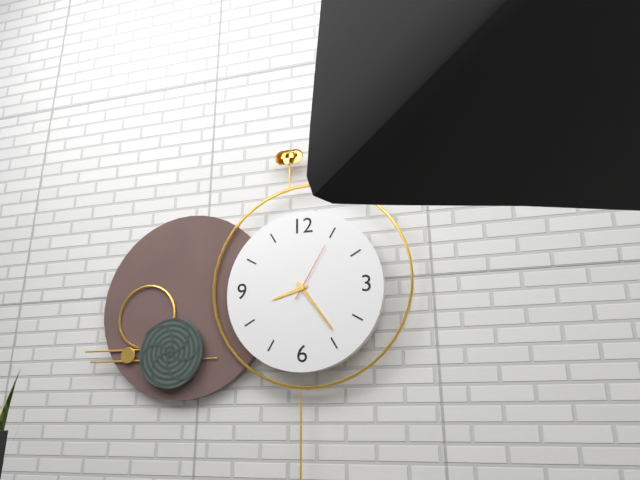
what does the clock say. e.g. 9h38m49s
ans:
8h24m05s
